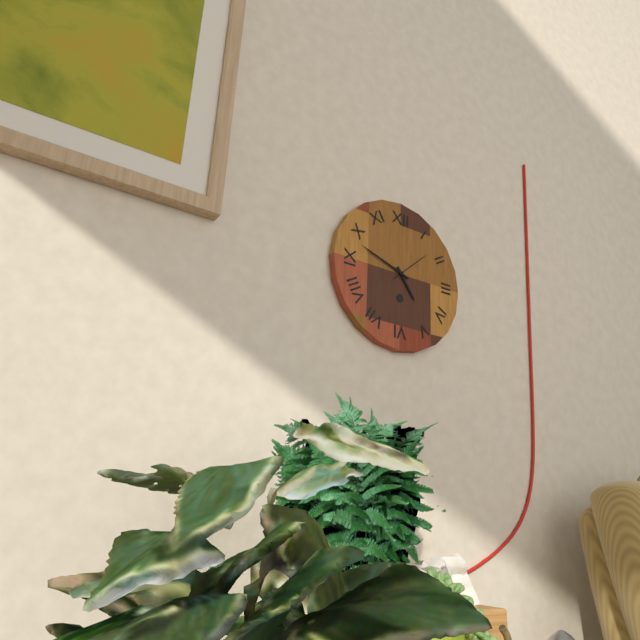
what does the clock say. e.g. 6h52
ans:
4h48
